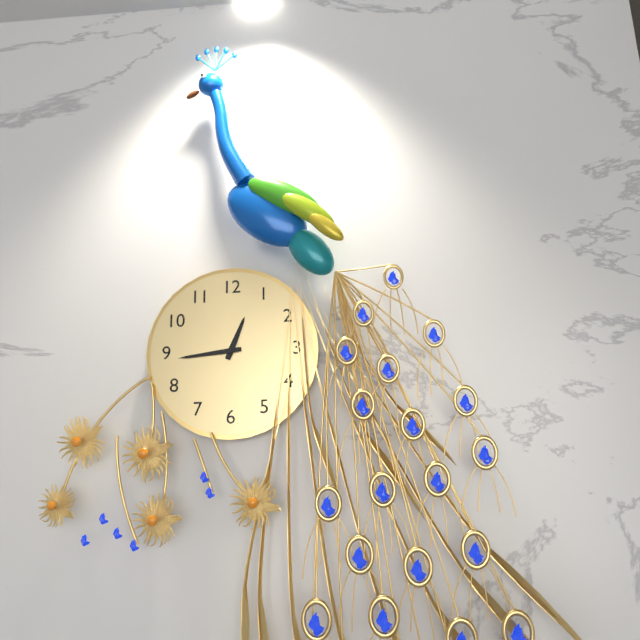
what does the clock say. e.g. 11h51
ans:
12h44
